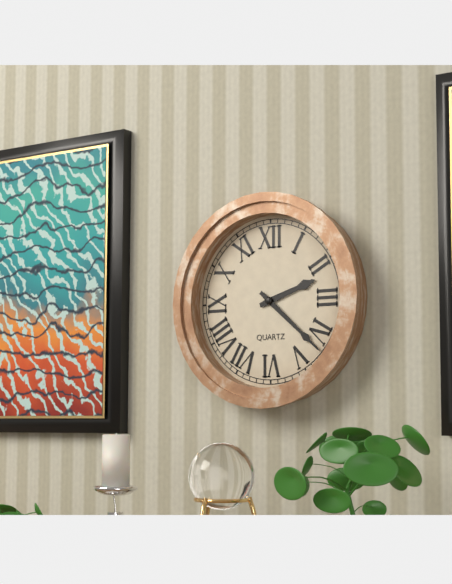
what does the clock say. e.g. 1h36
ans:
2h22
